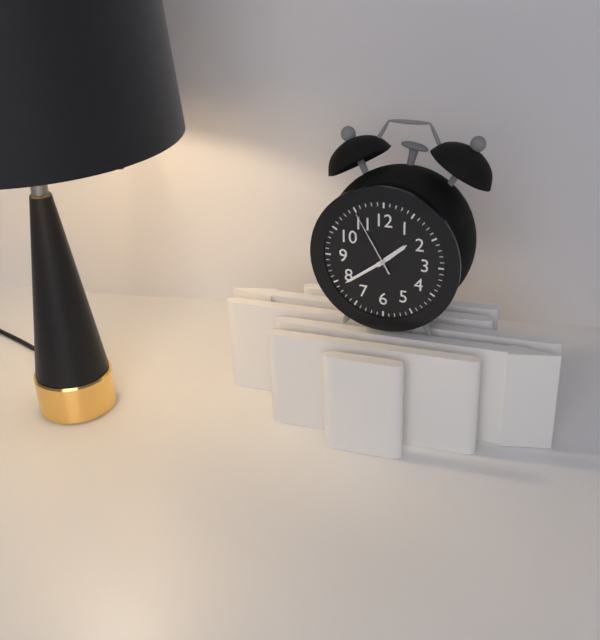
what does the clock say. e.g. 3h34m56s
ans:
1h39m55s
